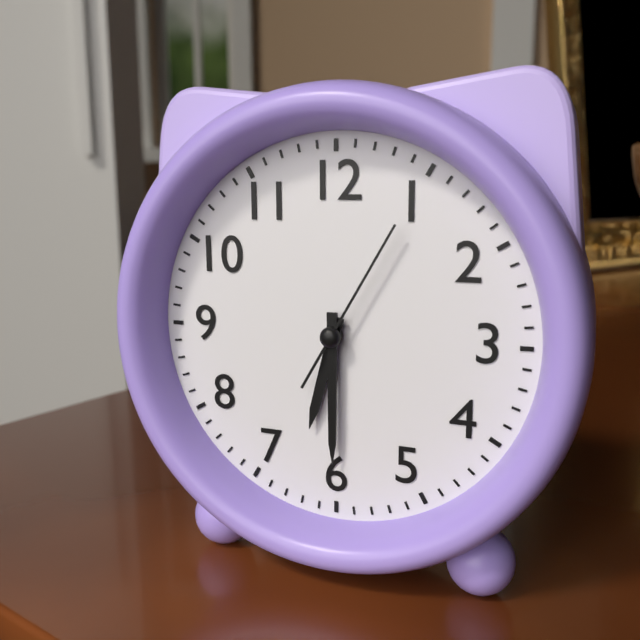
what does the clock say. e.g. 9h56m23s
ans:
6h30m05s
